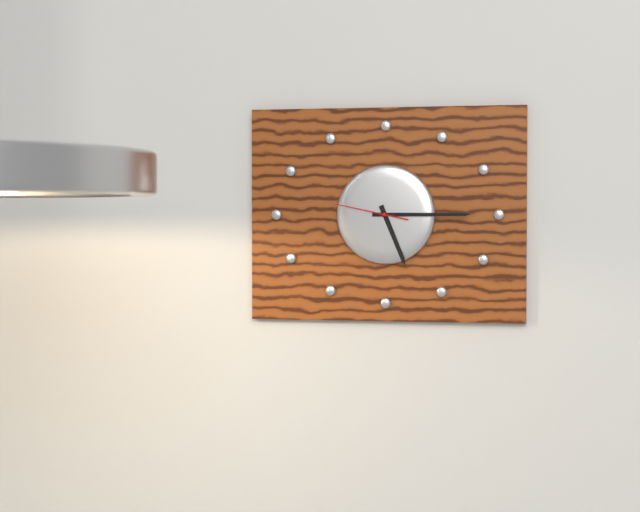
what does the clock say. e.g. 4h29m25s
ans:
5h15m47s
